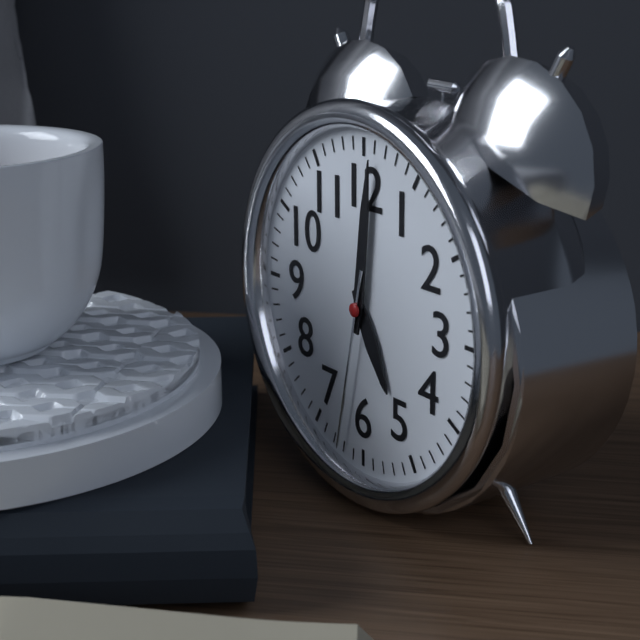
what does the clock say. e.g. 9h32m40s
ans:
5h01m32s
